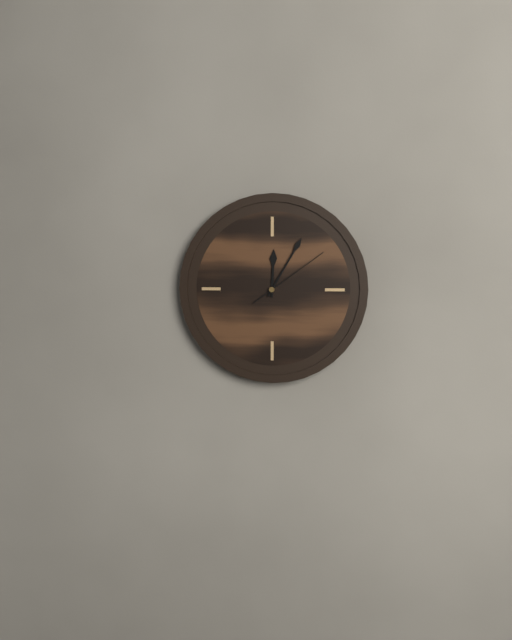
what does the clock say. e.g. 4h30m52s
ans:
12h05m09s
